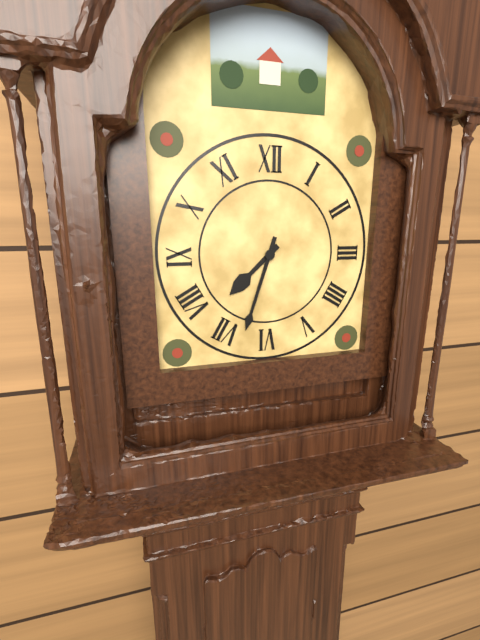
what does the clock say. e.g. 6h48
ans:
7h33
